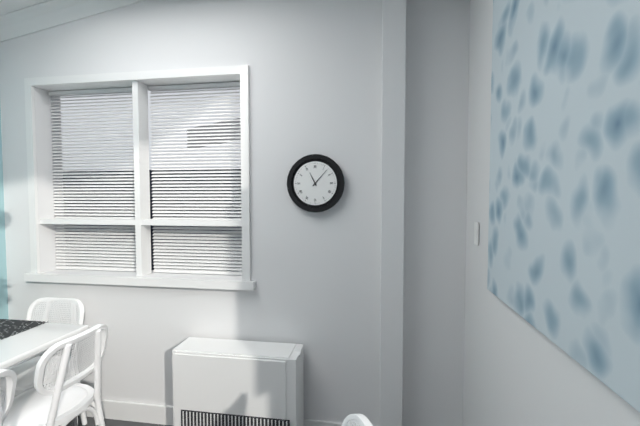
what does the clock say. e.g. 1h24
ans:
11h07
